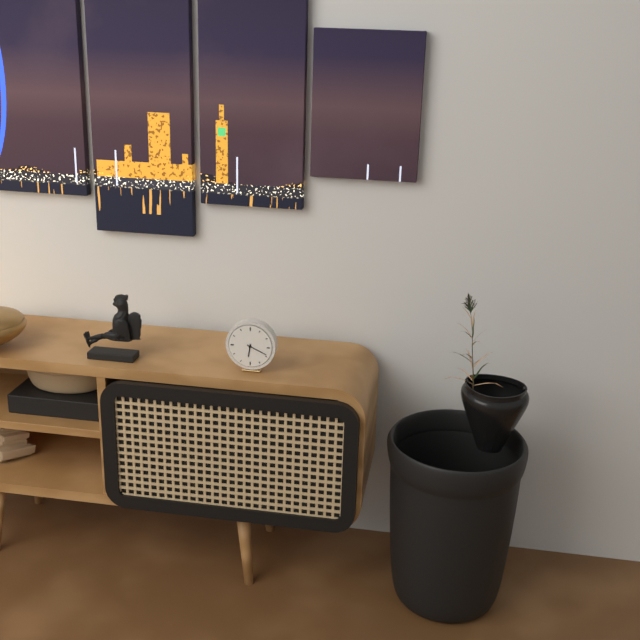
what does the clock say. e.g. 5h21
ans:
6h19
